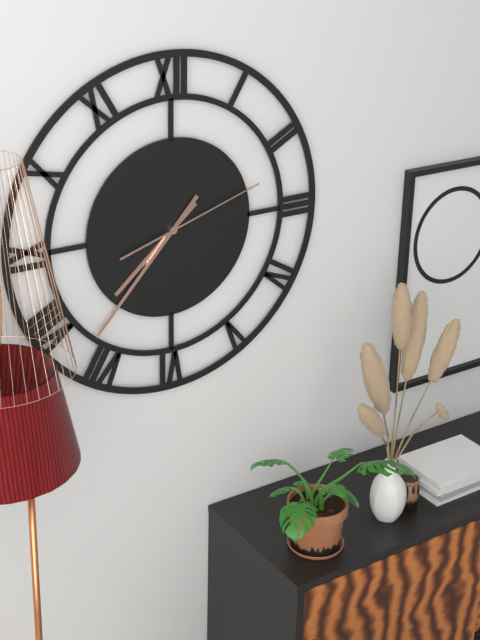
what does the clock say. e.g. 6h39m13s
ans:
7h37m12s
